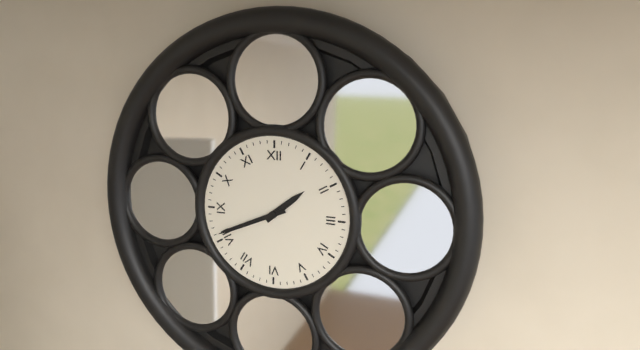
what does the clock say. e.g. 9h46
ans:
1h41
